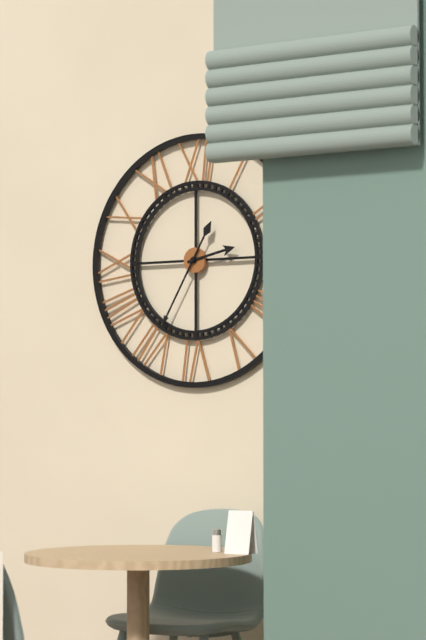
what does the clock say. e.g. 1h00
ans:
2h35
